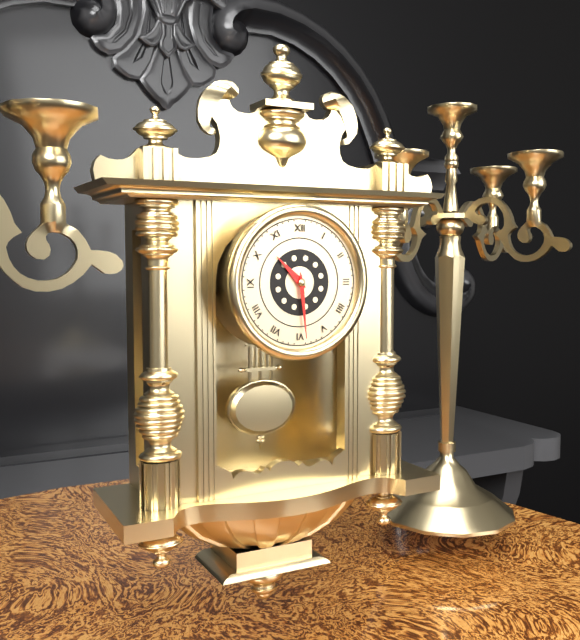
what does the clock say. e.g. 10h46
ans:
10h29
